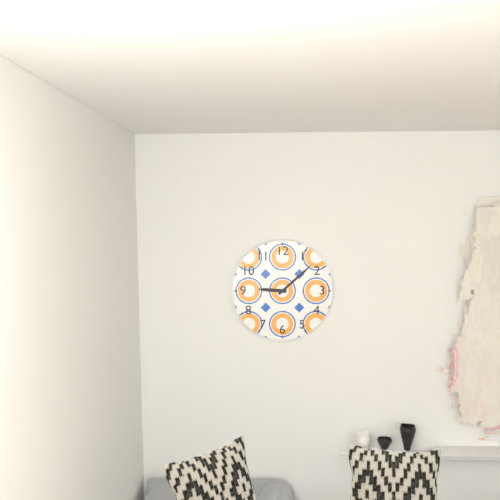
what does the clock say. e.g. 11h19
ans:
9h08
